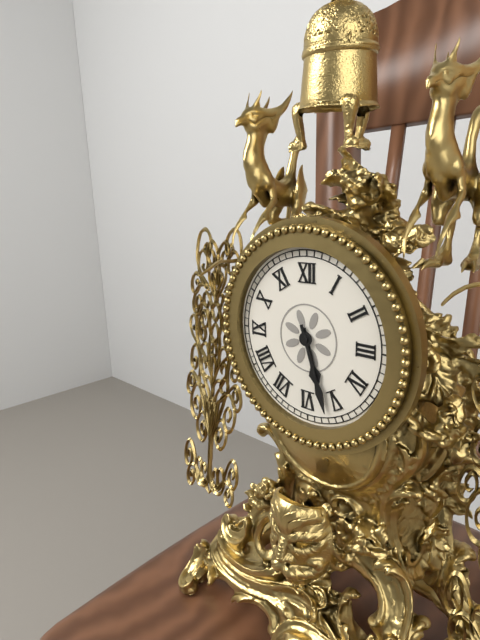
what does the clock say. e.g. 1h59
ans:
5h27
